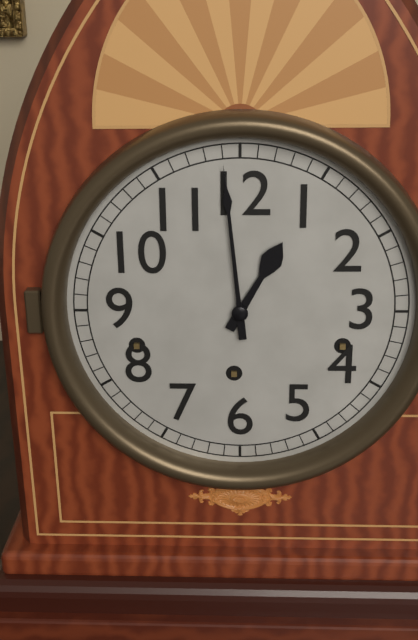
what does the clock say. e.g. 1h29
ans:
12h59
